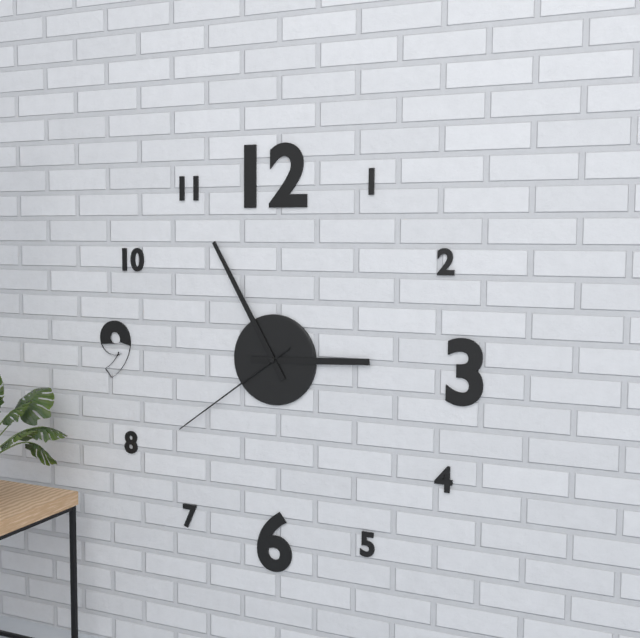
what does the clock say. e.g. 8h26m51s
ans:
2h55m39s
